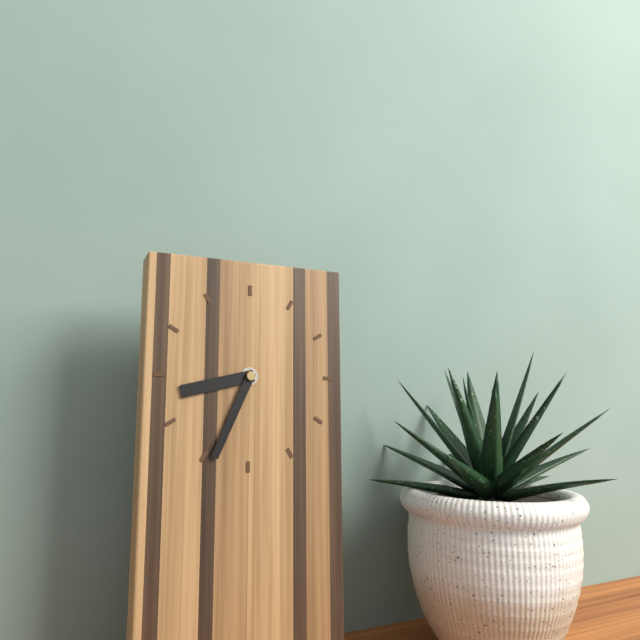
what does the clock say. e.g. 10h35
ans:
8h34
